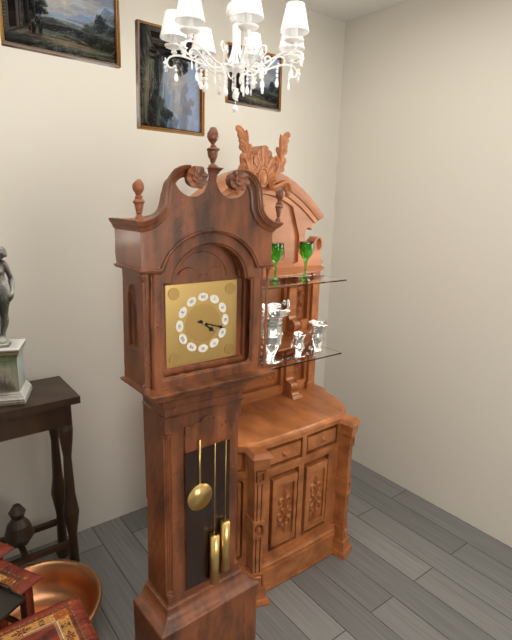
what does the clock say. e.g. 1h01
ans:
4h18
